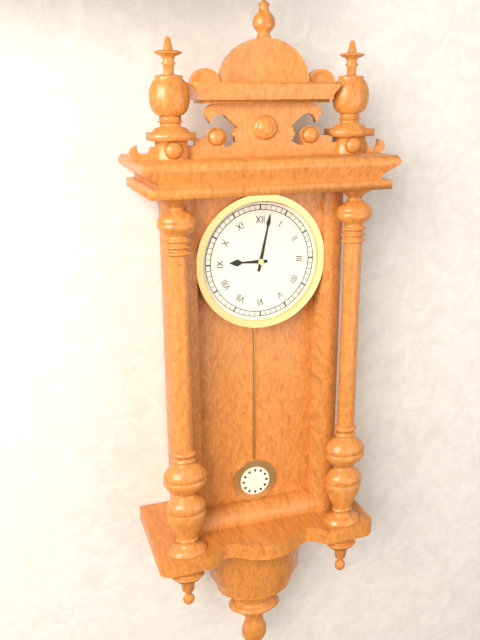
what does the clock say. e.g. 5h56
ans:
9h02
